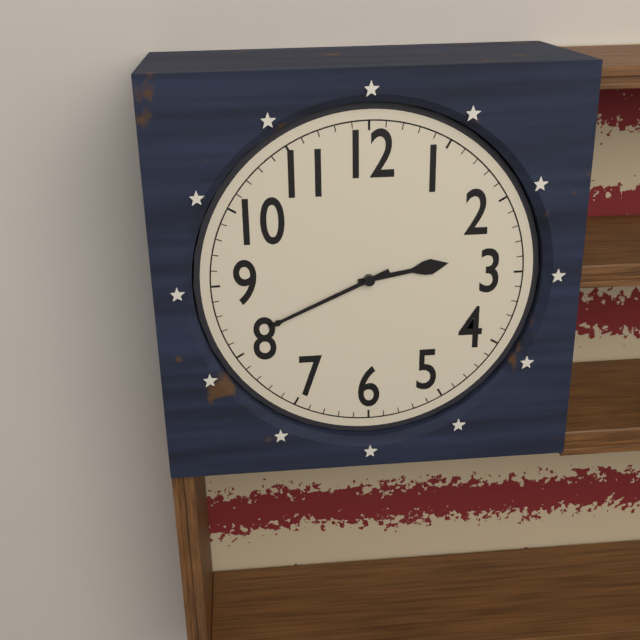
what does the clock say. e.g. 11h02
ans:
2h41
